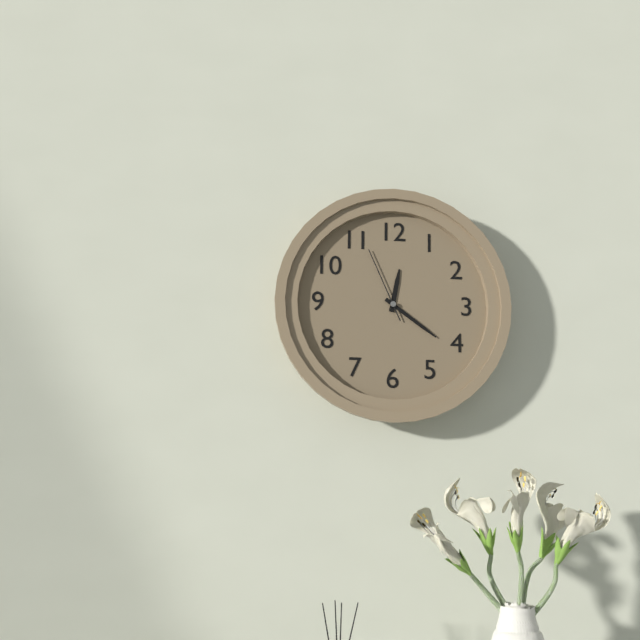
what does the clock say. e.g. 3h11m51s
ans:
12h21m56s
